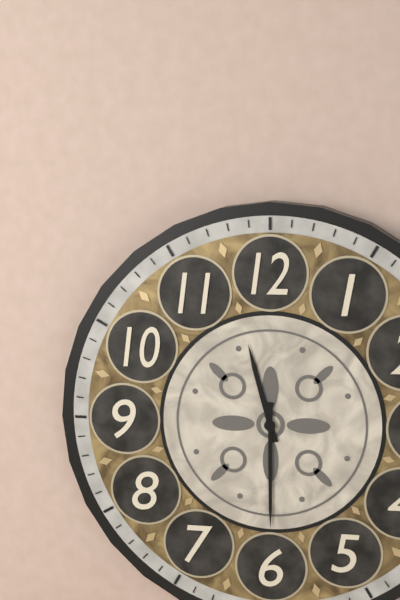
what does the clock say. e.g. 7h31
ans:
11h30
